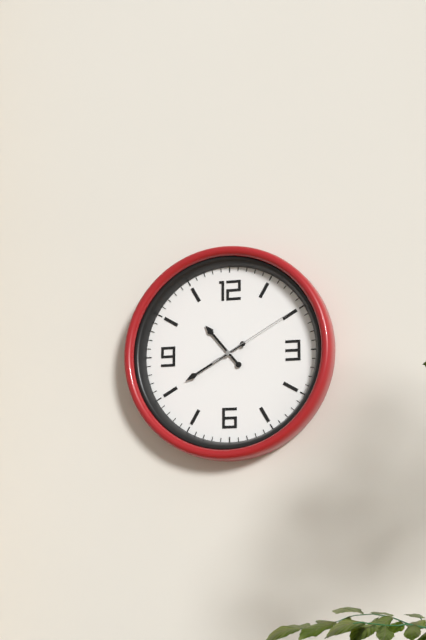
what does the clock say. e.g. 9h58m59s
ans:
10h40m10s
